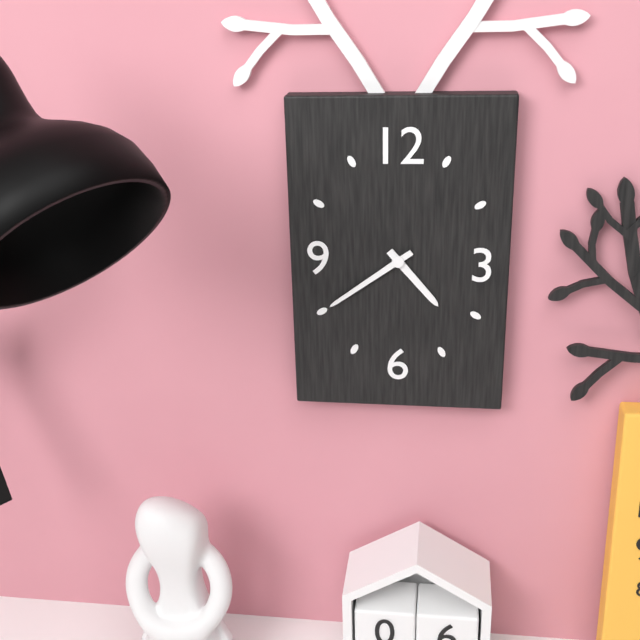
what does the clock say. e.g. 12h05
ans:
4h39
